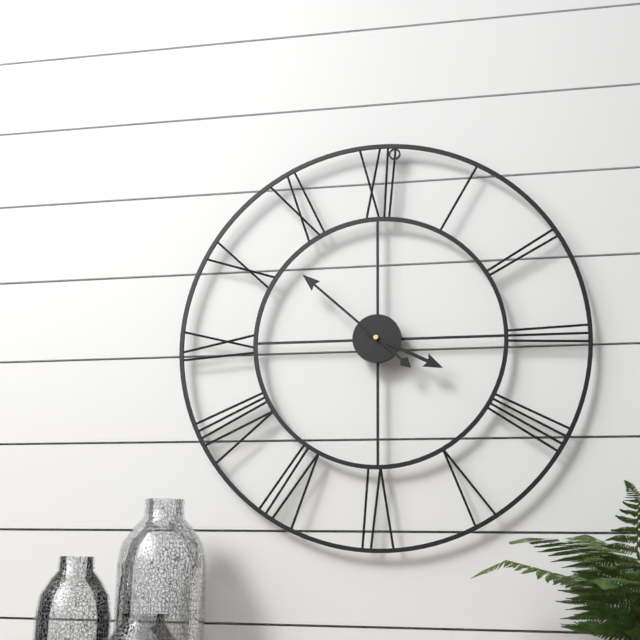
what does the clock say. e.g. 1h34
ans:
3h52
